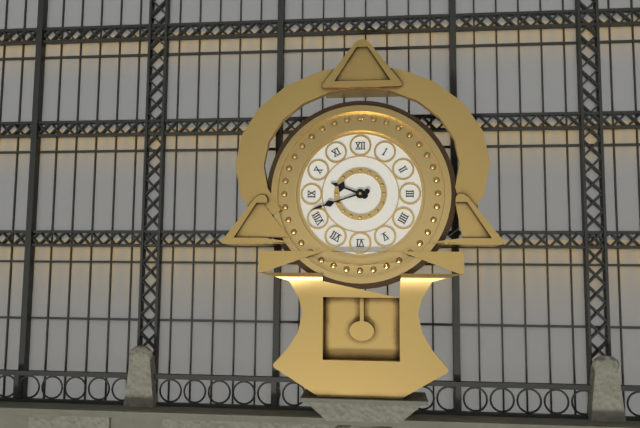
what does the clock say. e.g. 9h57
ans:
9h42
